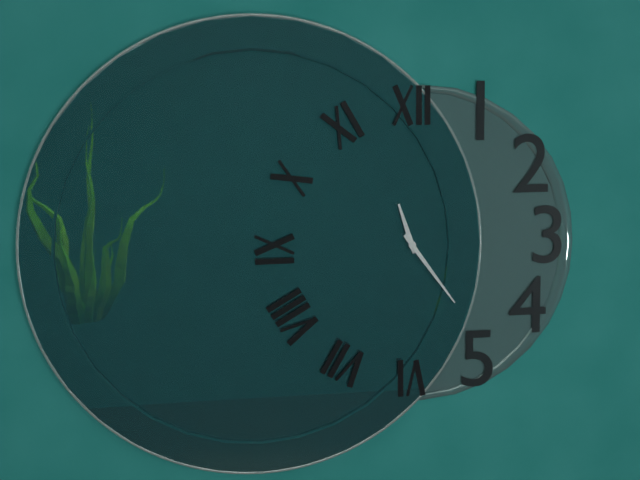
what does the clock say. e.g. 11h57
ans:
11h24
